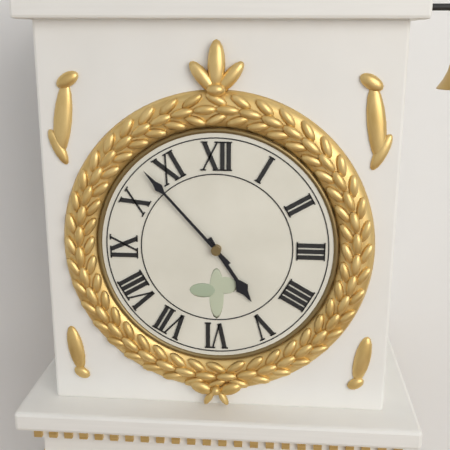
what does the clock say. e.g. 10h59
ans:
4h53
